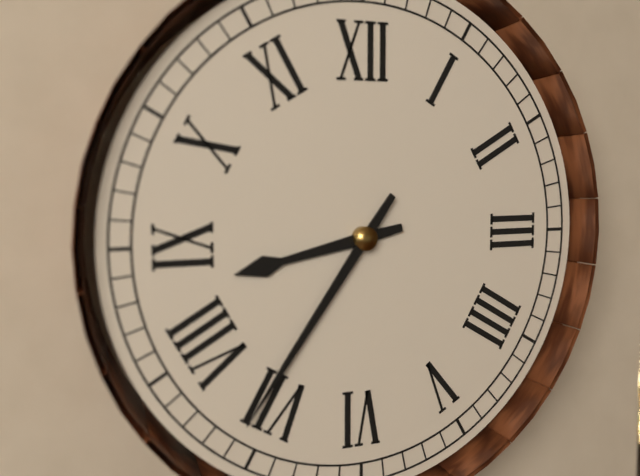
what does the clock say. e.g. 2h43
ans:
8h36
